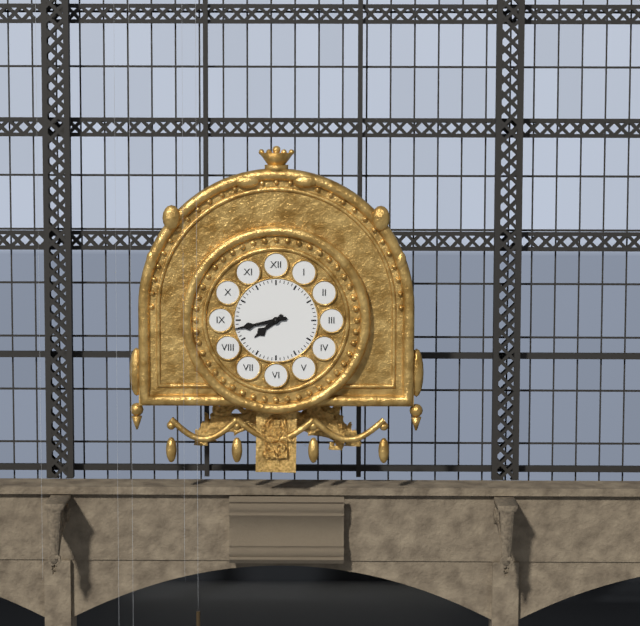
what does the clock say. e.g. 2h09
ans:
7h43
